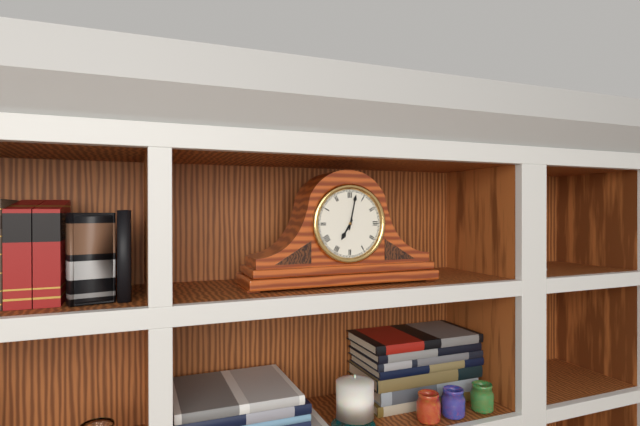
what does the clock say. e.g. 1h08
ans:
7h02
